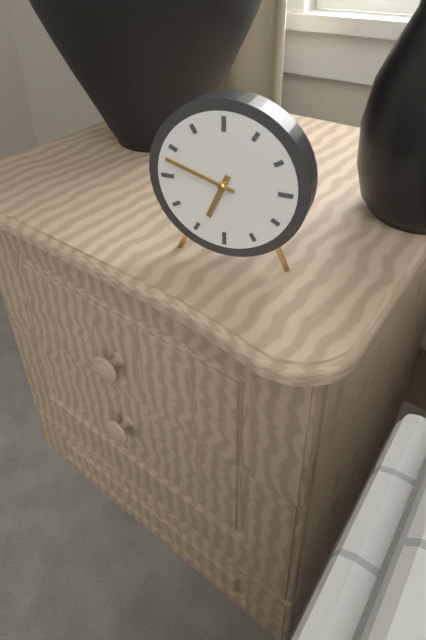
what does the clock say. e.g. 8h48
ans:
6h48
